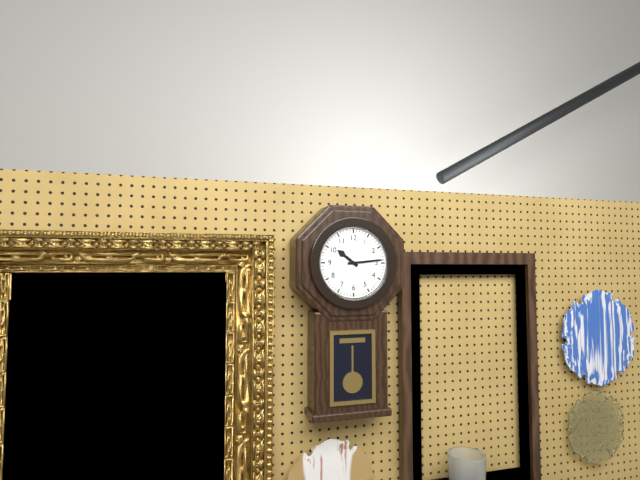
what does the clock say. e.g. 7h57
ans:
10h14
